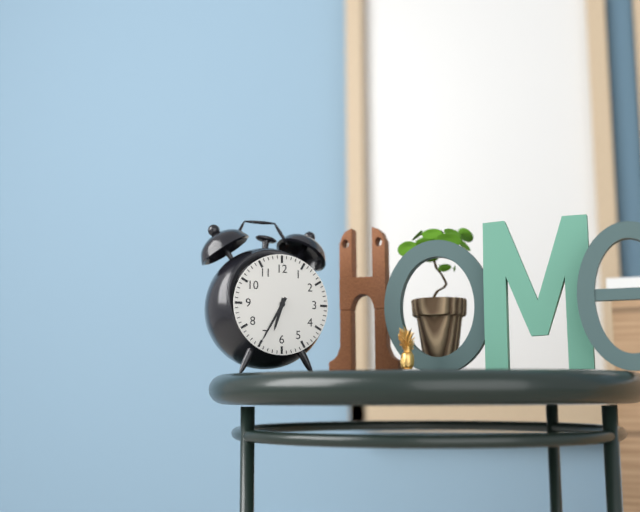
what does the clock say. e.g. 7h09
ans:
6h35
